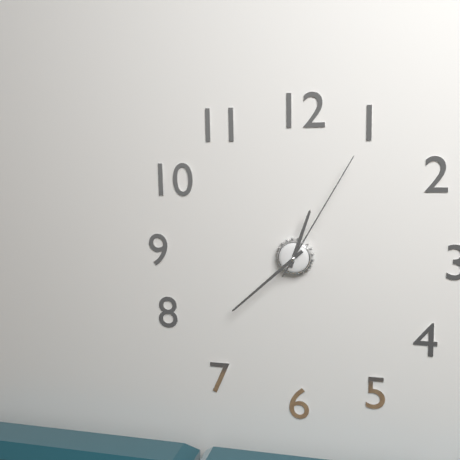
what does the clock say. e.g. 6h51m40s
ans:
12h38m05s
